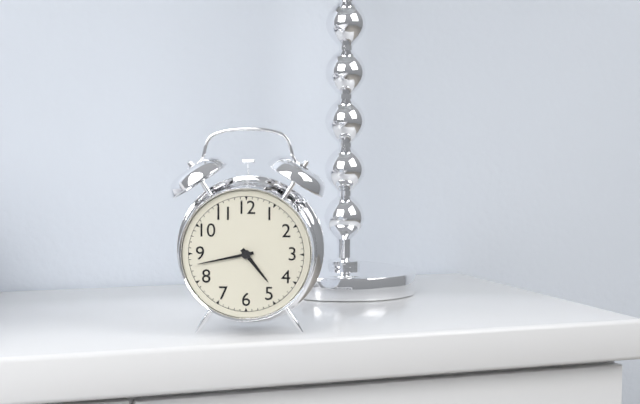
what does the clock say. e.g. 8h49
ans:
4h43
